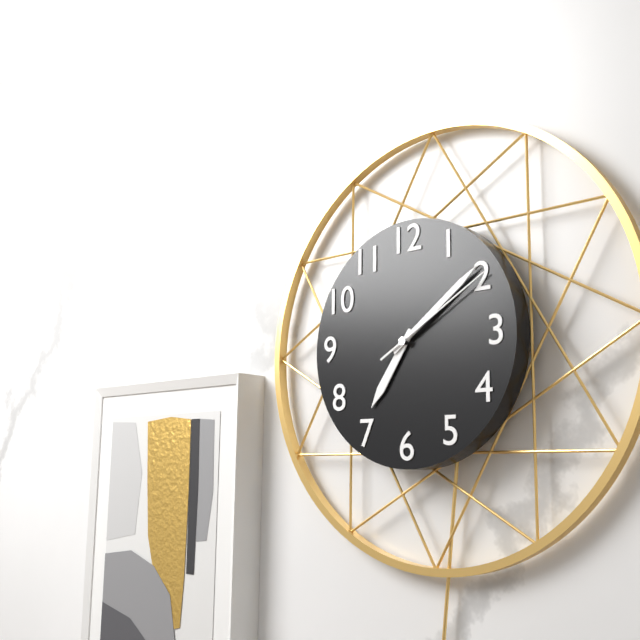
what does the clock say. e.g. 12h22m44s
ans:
7h09m10s
